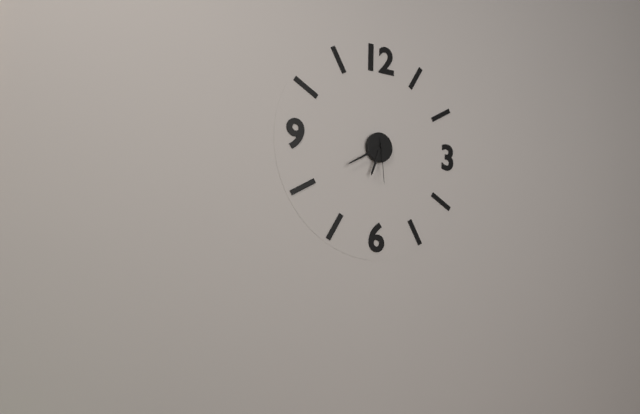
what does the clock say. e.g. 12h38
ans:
6h40
